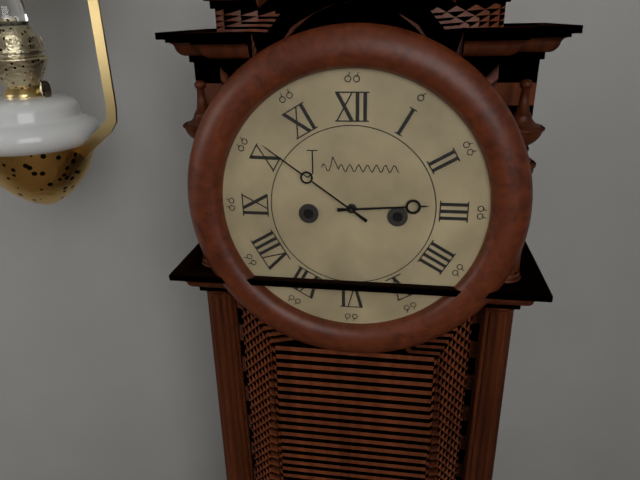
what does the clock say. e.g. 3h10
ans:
2h51
